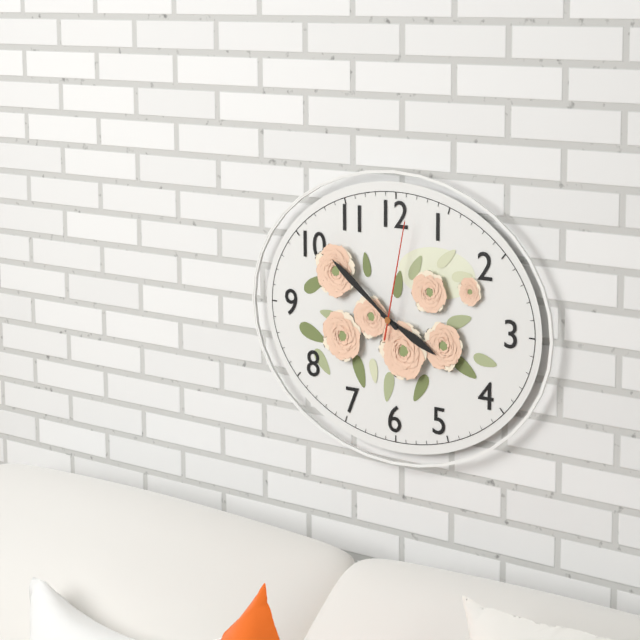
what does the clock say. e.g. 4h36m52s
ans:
3h51m02s
